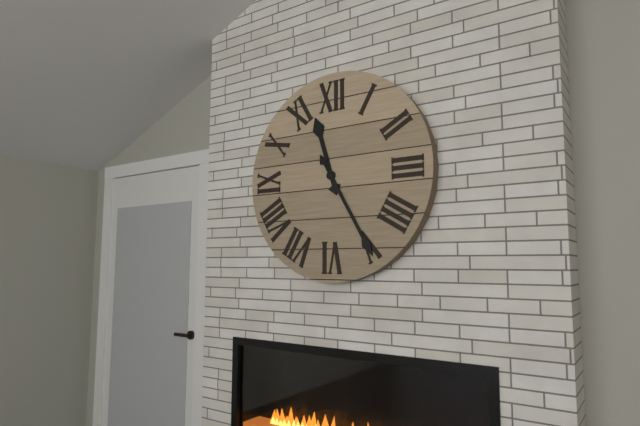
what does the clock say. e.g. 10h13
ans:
11h25
